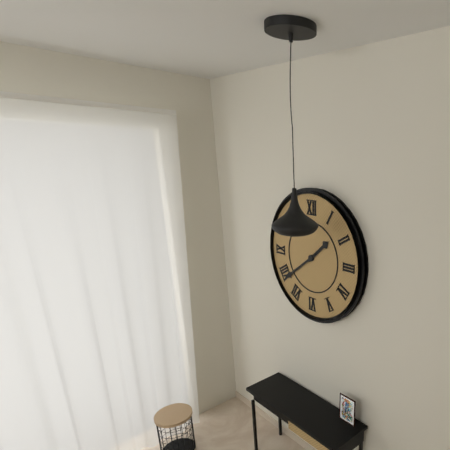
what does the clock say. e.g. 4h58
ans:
1h39
